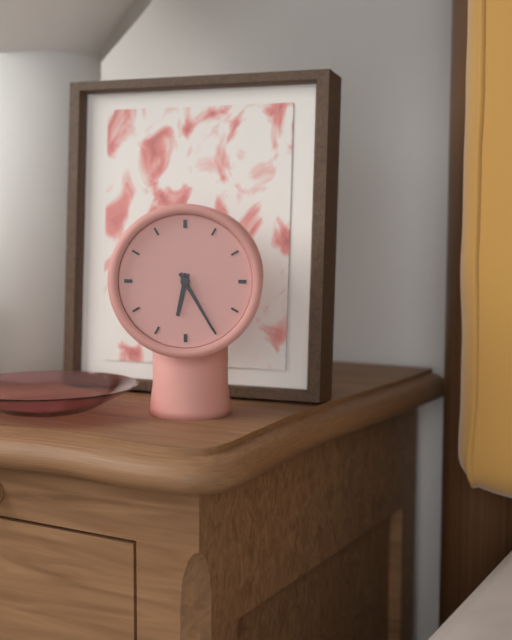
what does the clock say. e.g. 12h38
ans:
6h25
